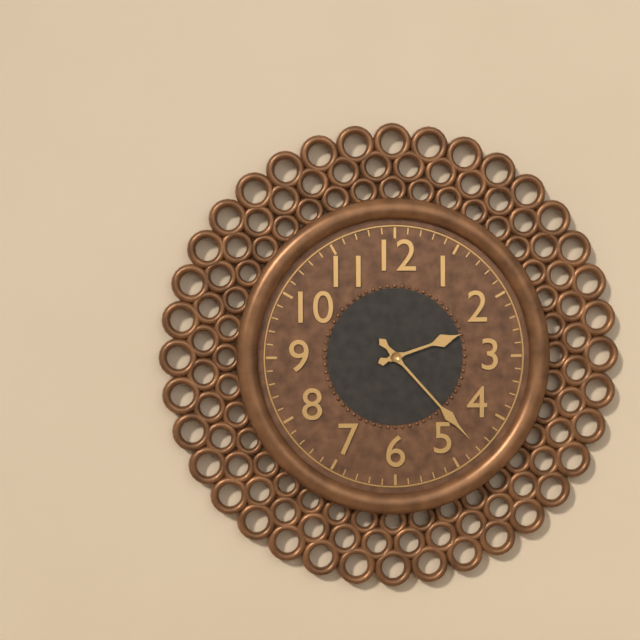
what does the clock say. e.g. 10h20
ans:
2h23
